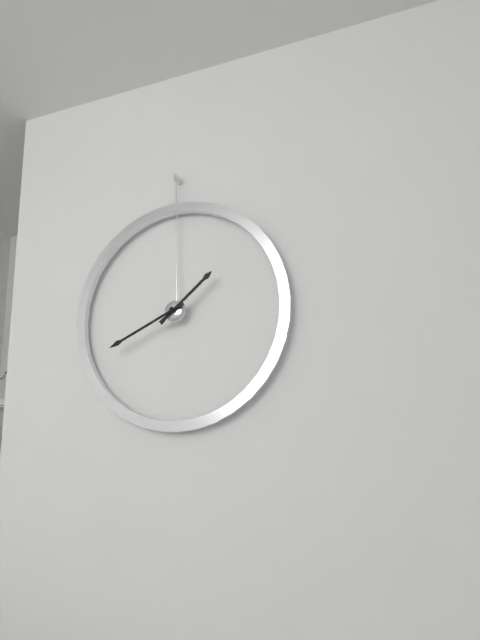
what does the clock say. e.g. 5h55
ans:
1h41
